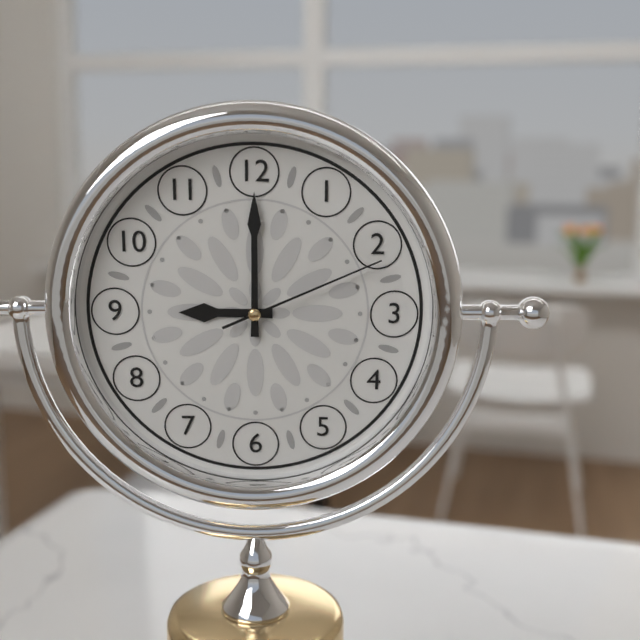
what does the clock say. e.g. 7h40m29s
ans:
9h00m11s
